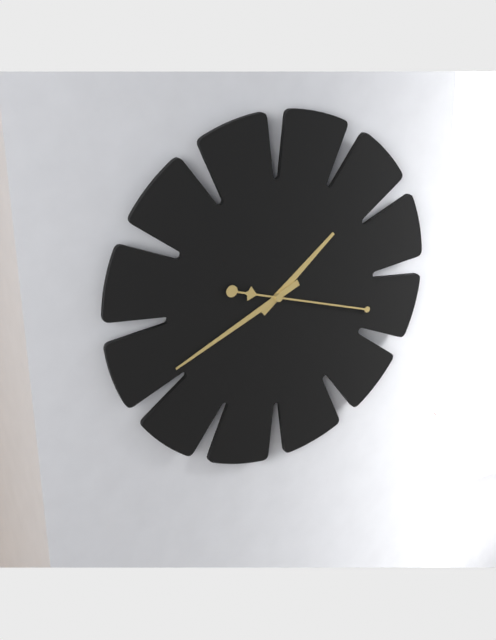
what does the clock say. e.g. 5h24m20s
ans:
1h41m18s
